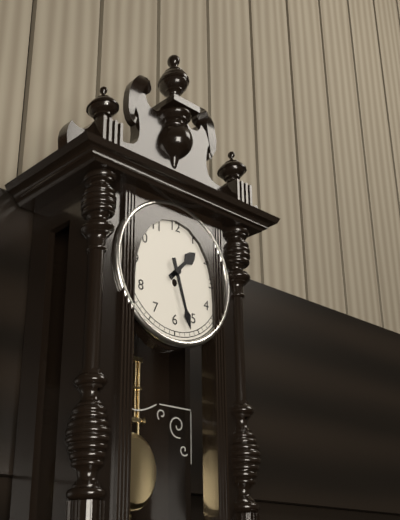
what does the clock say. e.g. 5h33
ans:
1h27
